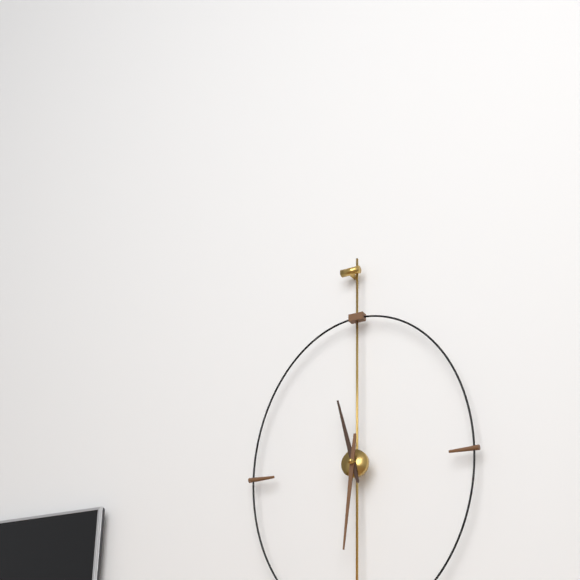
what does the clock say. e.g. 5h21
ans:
11h31
